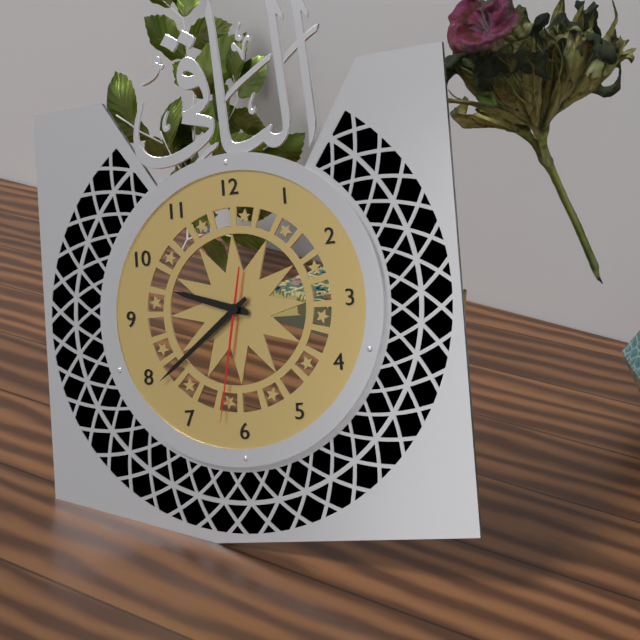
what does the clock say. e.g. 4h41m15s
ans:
9h39m32s
